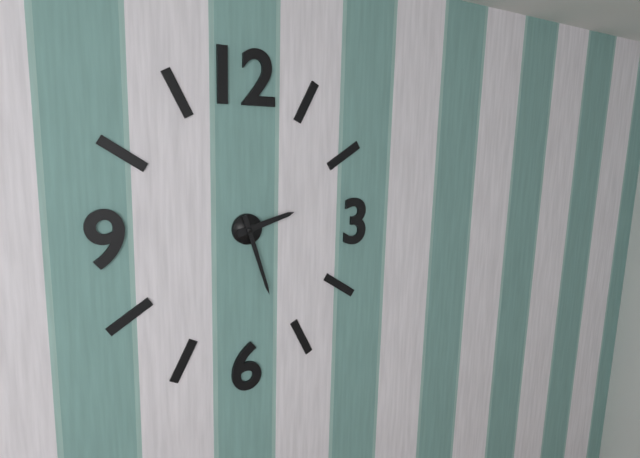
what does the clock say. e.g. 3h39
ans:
2h27
